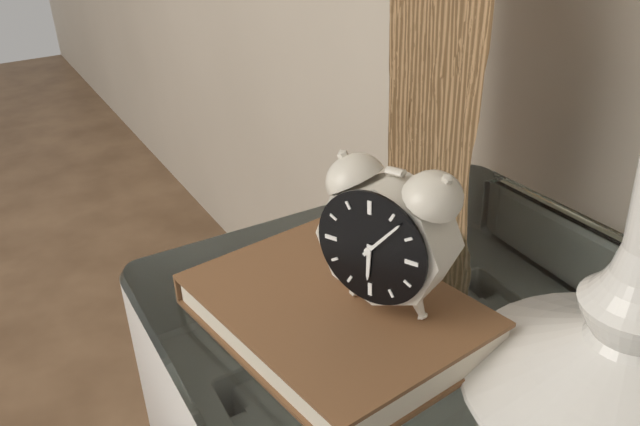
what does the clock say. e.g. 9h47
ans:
6h07
